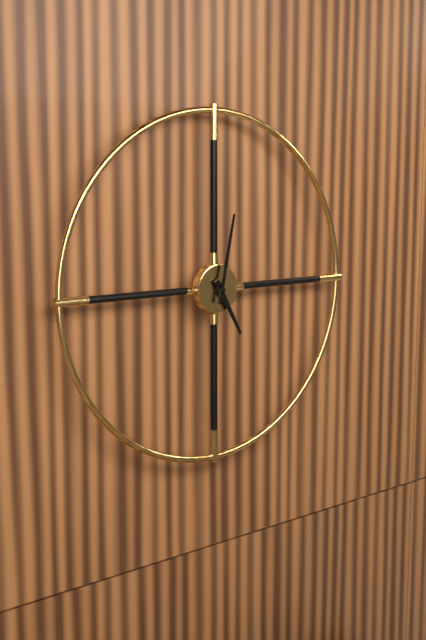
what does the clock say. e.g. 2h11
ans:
5h02
